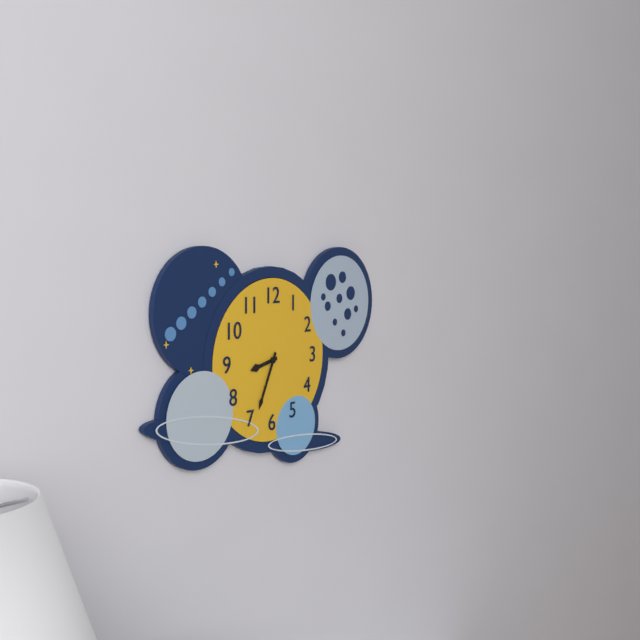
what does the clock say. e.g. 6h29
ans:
8h34
